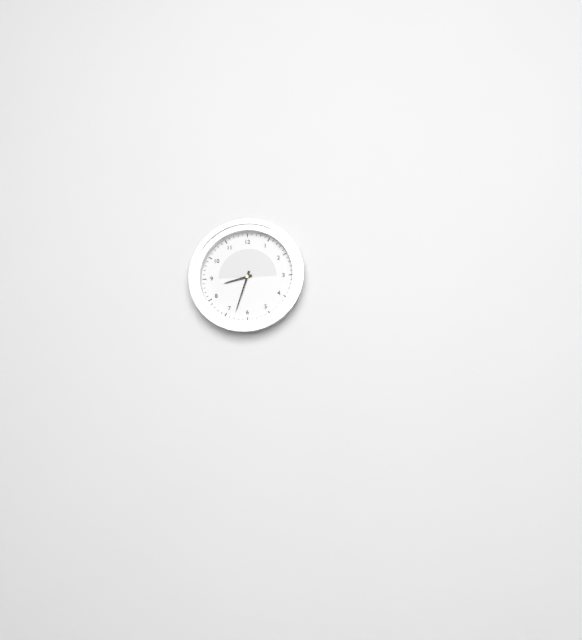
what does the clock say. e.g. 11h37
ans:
8h33
